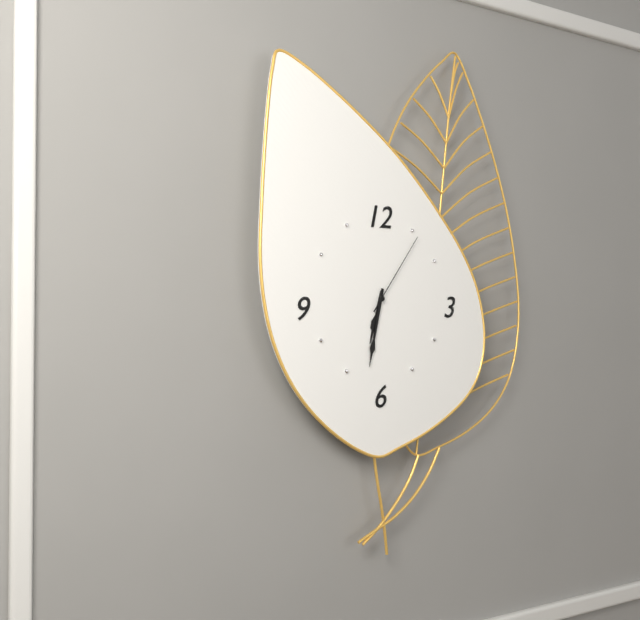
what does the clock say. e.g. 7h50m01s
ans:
6h32m06s
